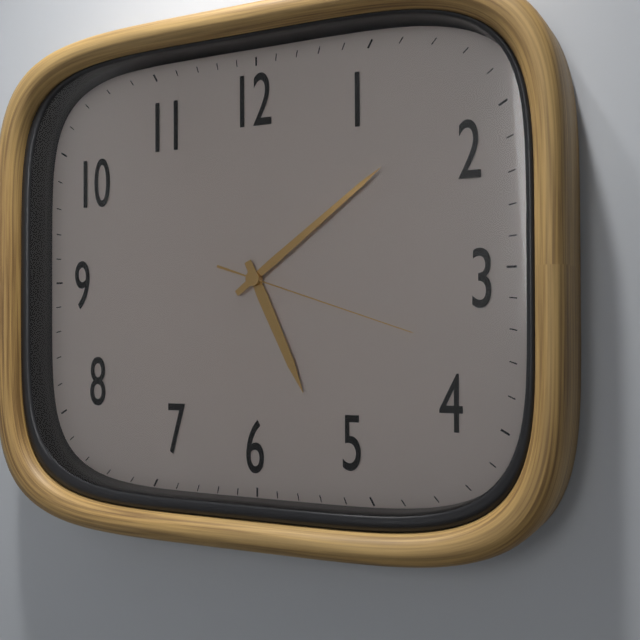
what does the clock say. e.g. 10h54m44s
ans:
5h09m18s
